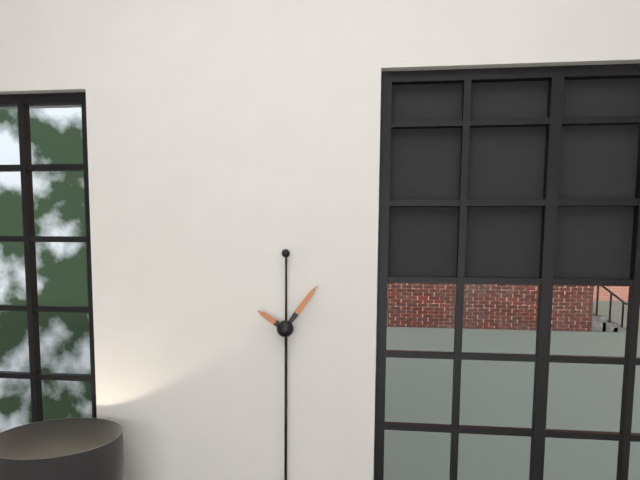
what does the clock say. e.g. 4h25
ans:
10h06
